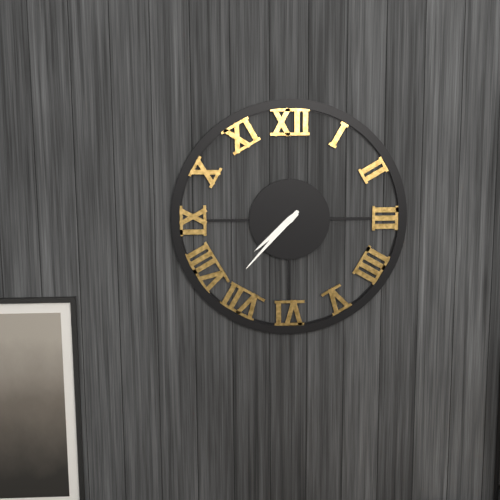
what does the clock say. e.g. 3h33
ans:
7h37
